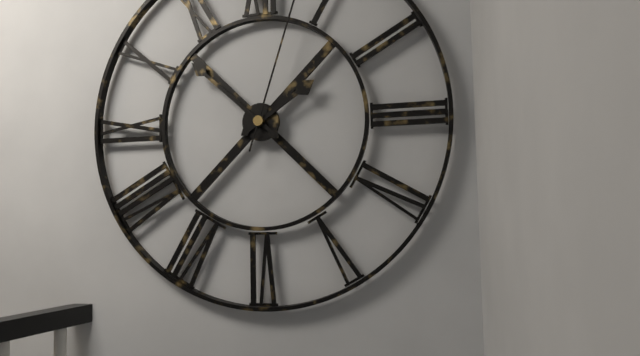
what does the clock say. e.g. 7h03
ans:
1h52
